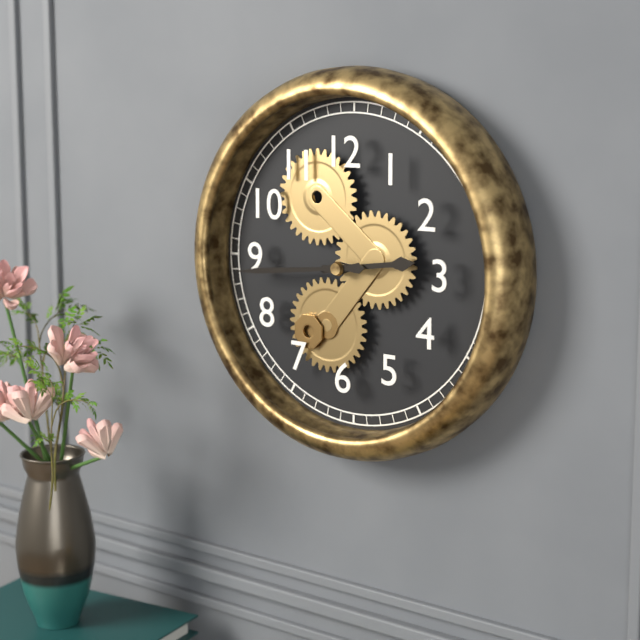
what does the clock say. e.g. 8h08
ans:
2h44
